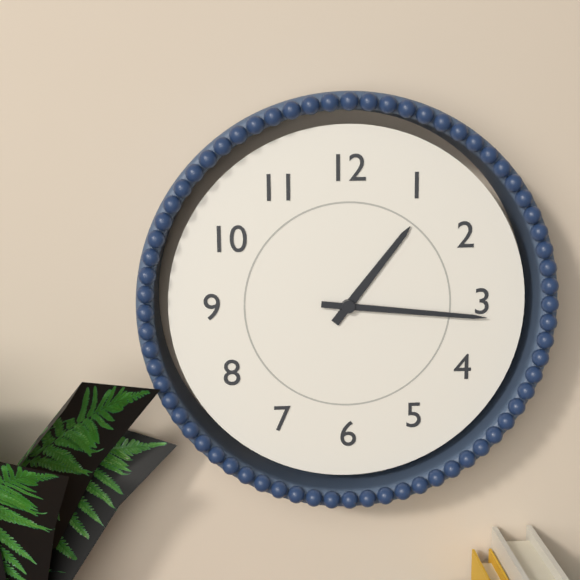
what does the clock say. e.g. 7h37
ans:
1h16
